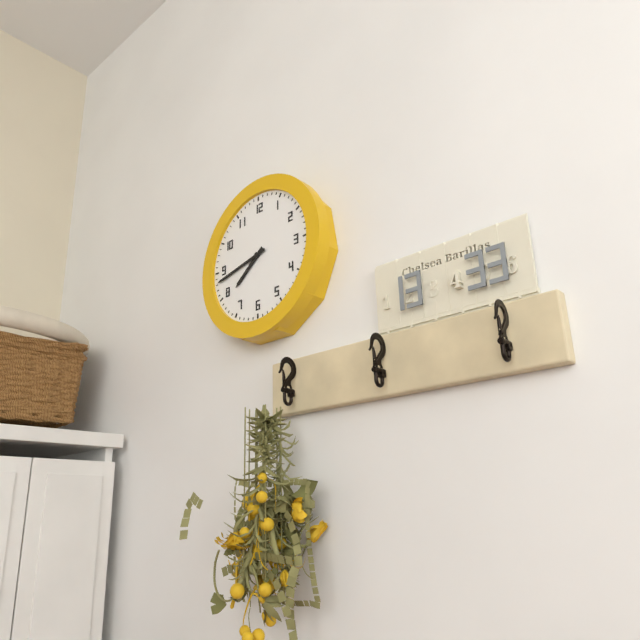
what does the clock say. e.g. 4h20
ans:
7h43
